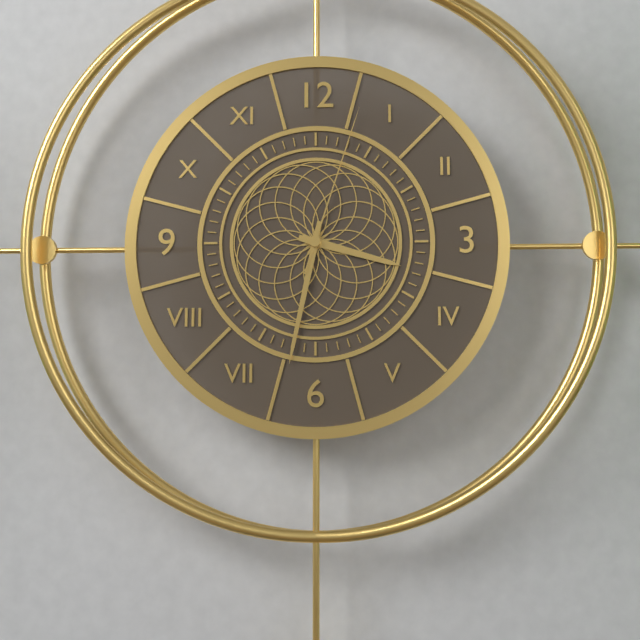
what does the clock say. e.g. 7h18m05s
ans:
3h32m03s
